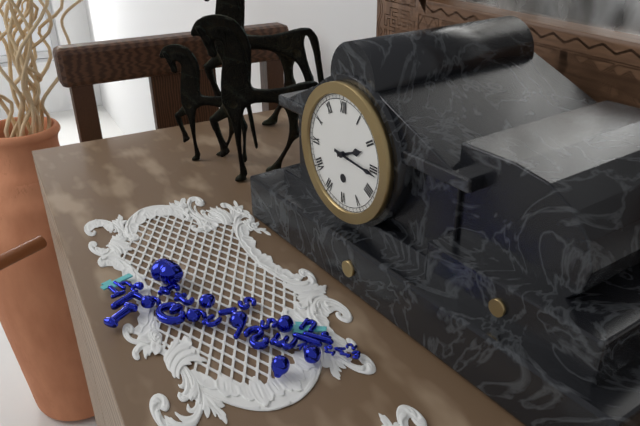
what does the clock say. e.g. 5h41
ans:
2h16
